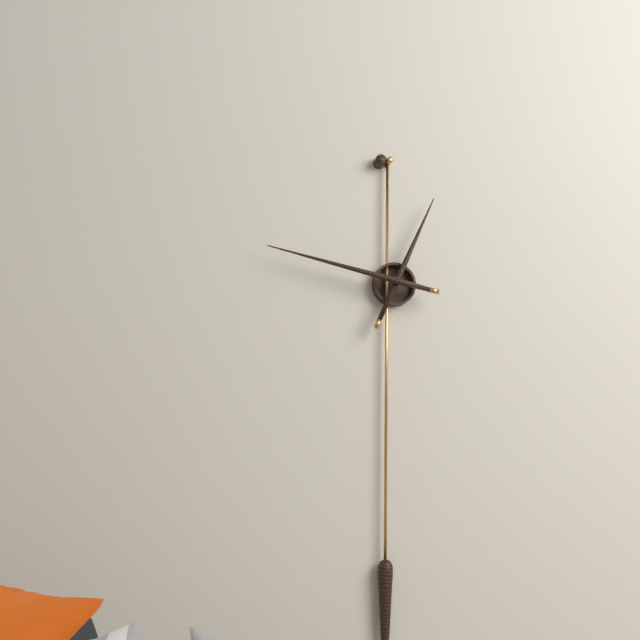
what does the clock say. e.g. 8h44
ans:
12h47
